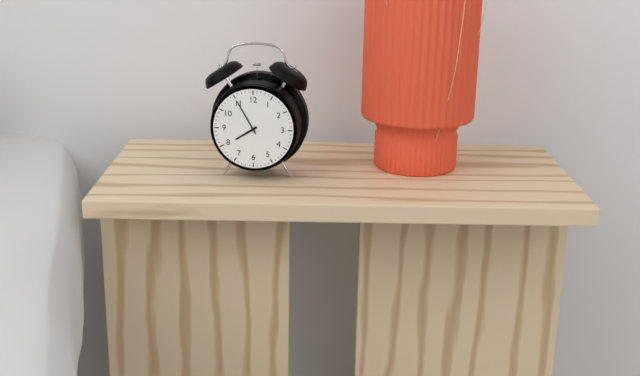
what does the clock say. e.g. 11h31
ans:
7h55
